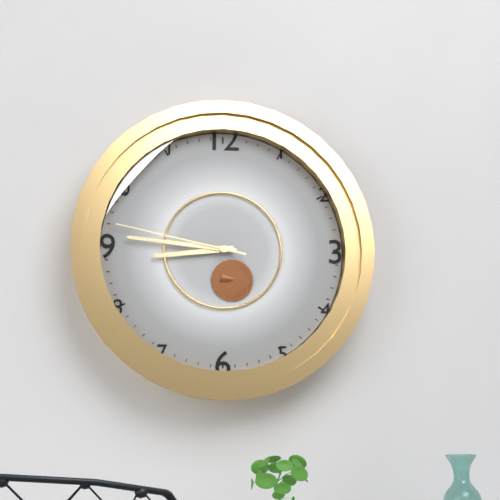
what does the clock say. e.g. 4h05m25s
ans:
8h46m47s
